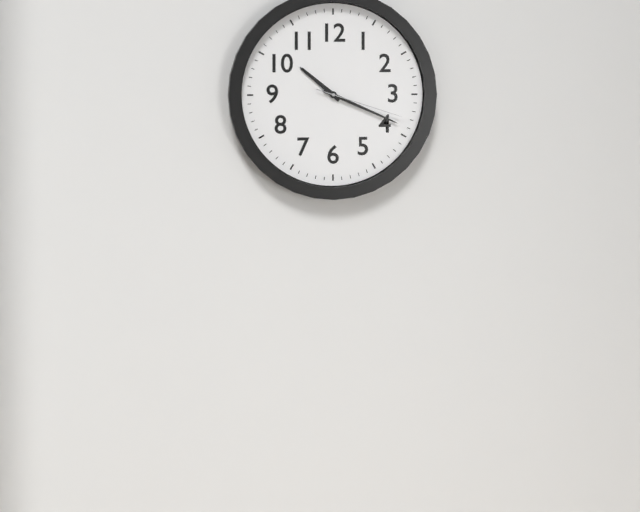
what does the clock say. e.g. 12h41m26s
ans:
10h19m18s
